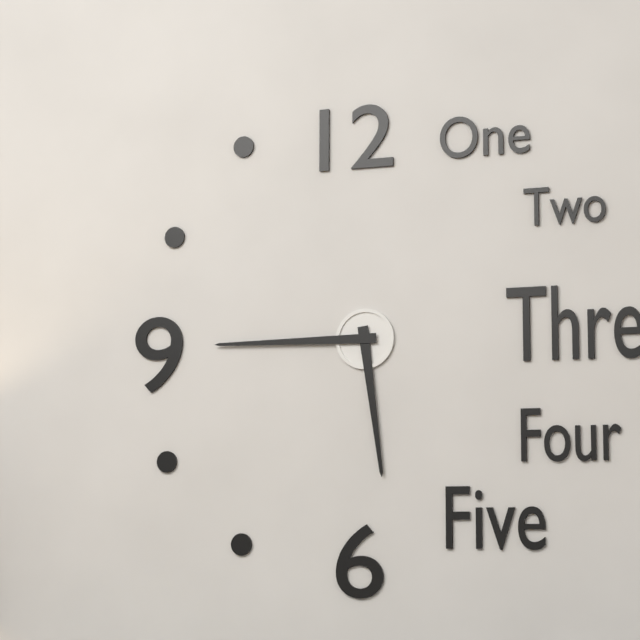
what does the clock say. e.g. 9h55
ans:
5h45
